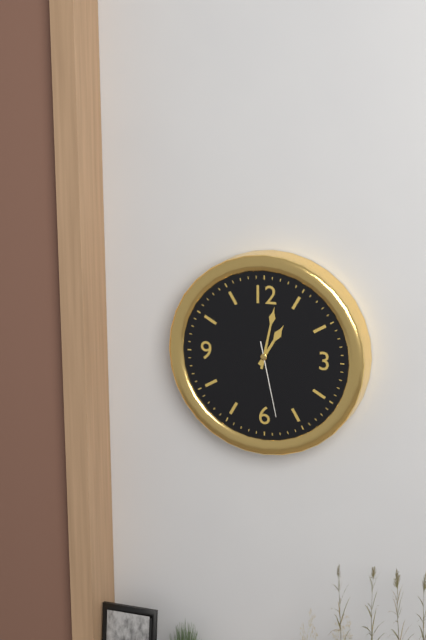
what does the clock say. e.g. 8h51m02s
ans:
1h02m28s
